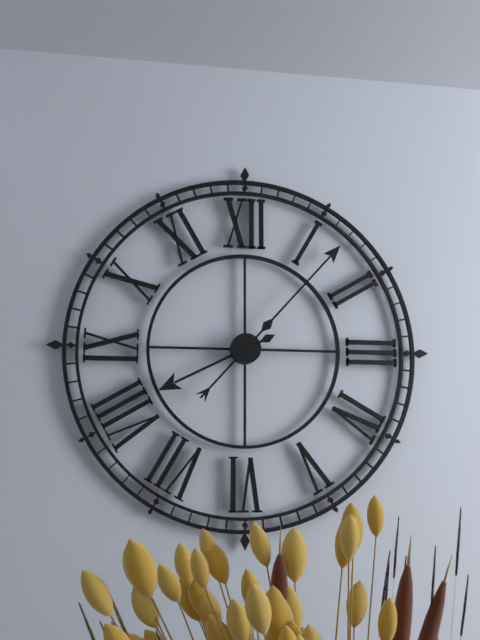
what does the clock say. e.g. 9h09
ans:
8h07
